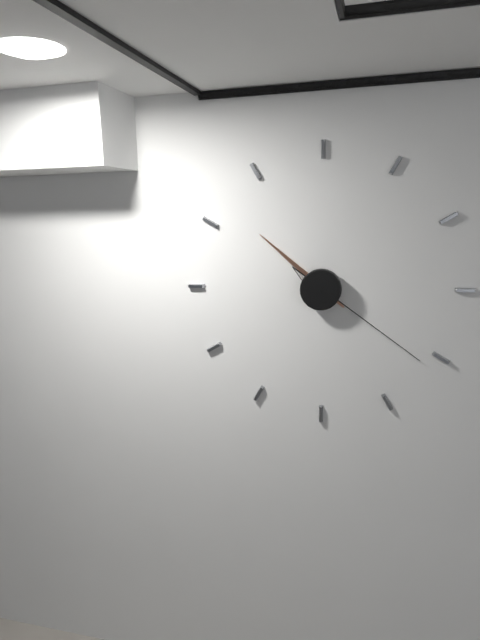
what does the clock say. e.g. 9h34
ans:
10h21
